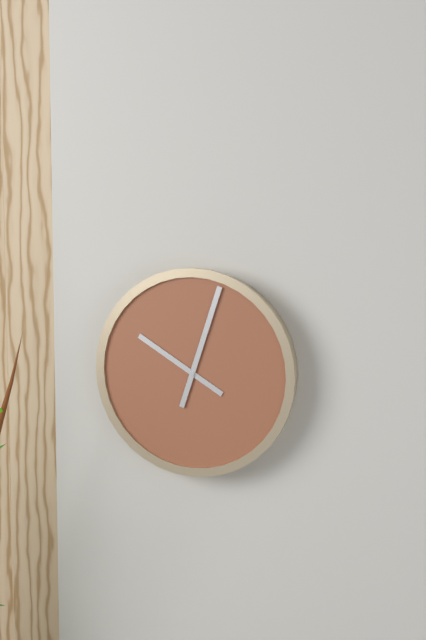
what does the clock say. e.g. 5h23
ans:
10h03
